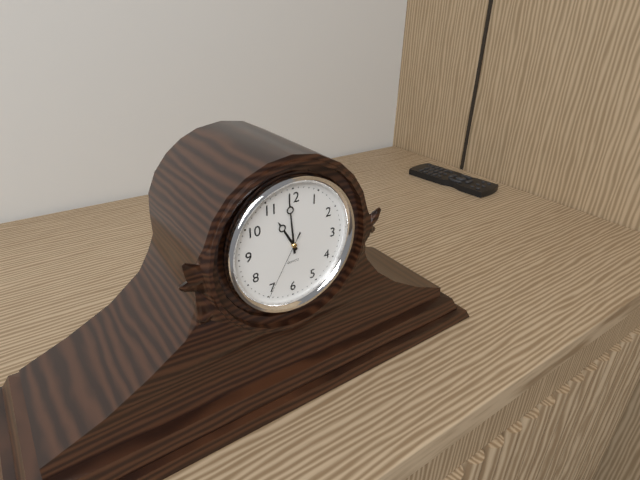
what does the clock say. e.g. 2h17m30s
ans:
10h59m35s
